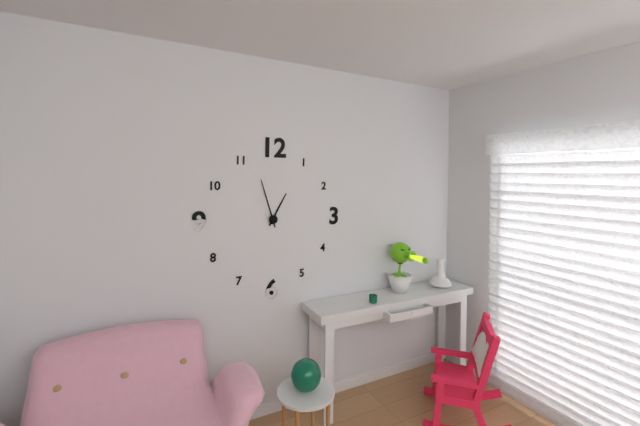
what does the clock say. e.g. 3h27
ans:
12h57
